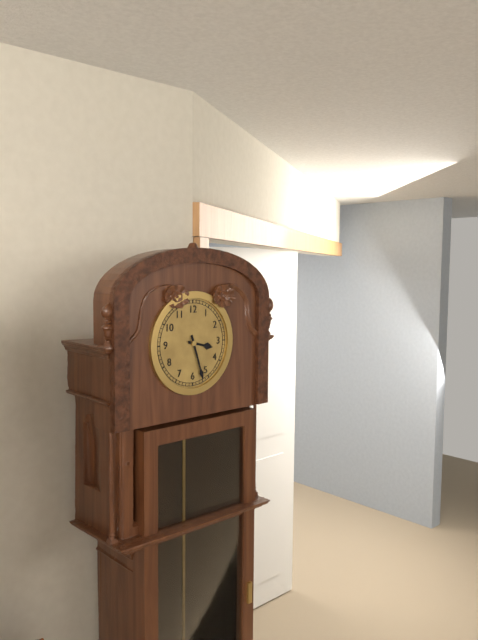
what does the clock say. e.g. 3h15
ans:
3h27
